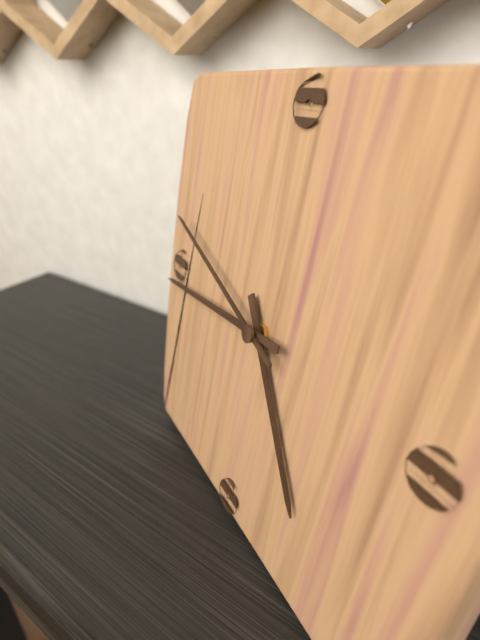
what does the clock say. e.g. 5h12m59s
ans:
4h44m48s
